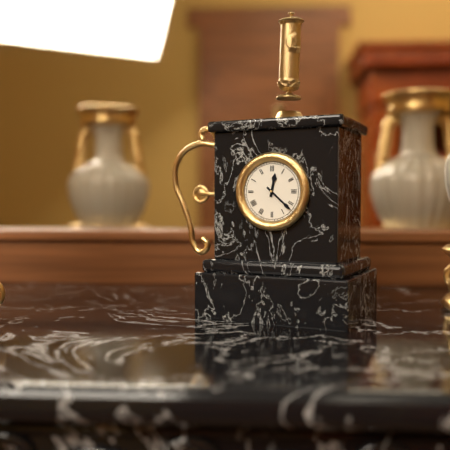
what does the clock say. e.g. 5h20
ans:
12h22
